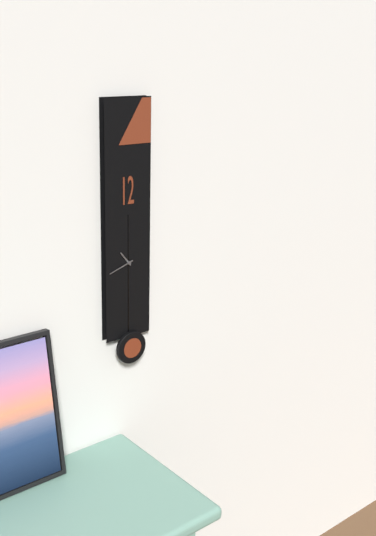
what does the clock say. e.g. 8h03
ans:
10h42
